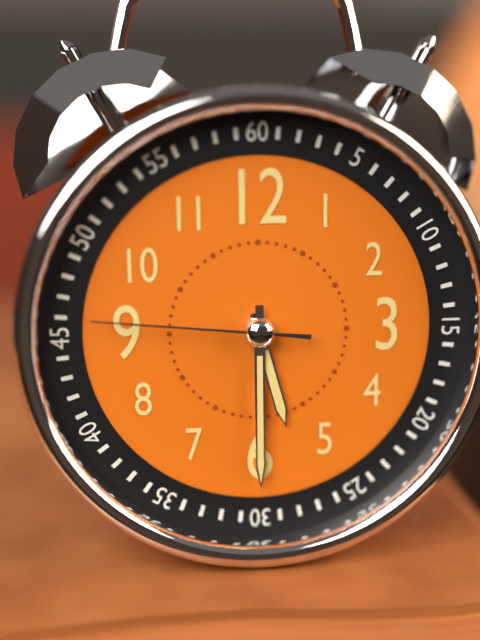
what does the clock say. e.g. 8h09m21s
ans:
5h30m46s
